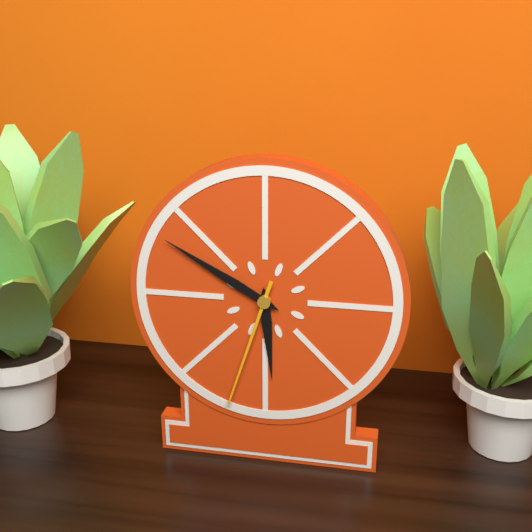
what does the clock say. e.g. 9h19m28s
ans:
5h50m33s
